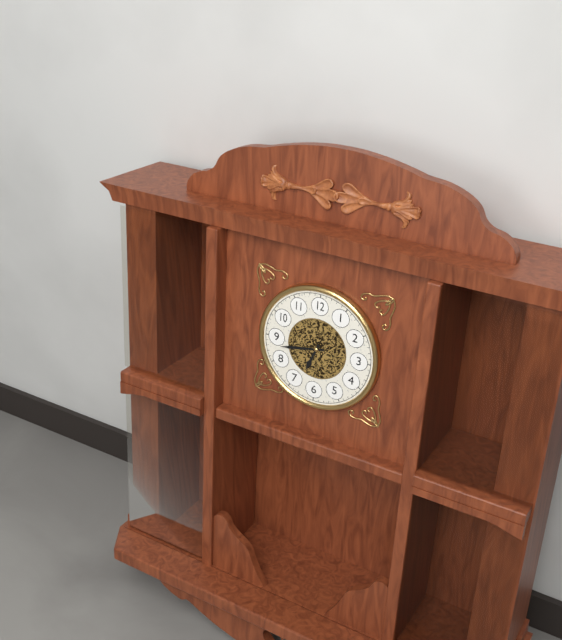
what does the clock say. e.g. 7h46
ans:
6h43
